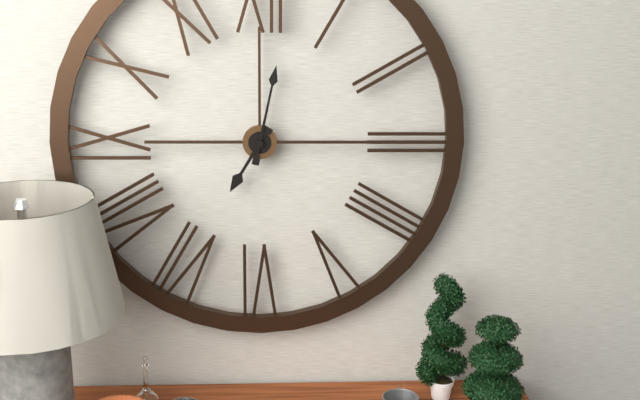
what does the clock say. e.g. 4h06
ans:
7h02
